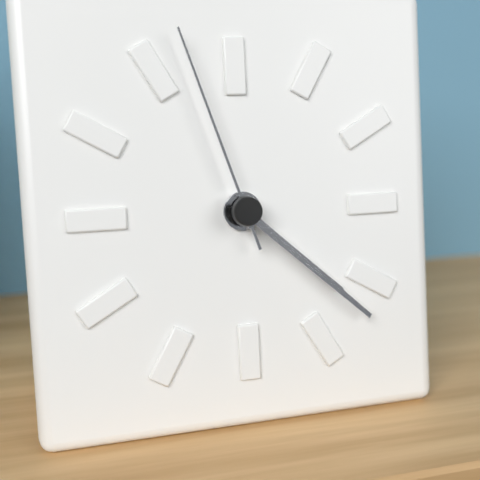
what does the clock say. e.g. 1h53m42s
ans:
4h22m57s
